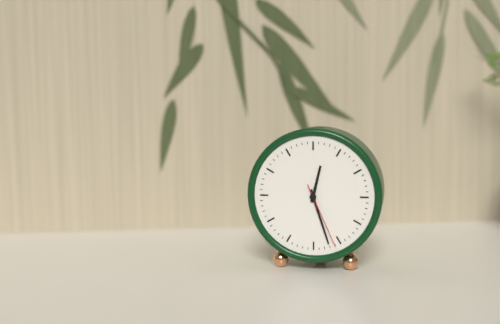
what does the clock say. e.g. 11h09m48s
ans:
12h27m26s
